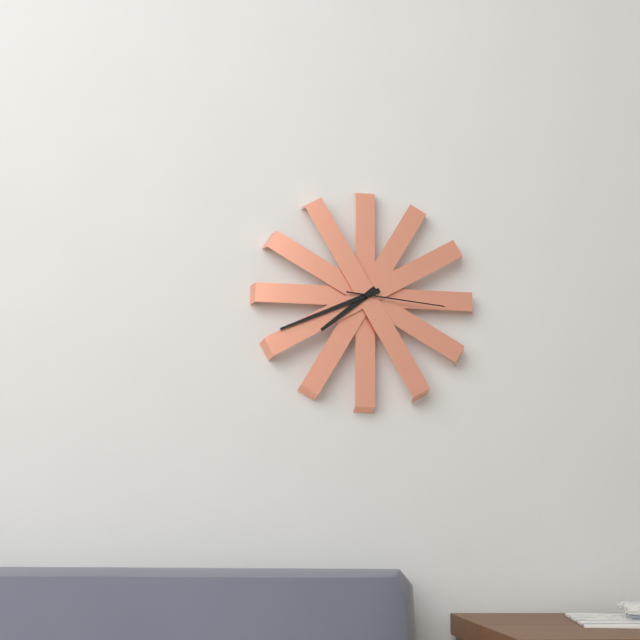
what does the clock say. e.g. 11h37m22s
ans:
7h41m16s
